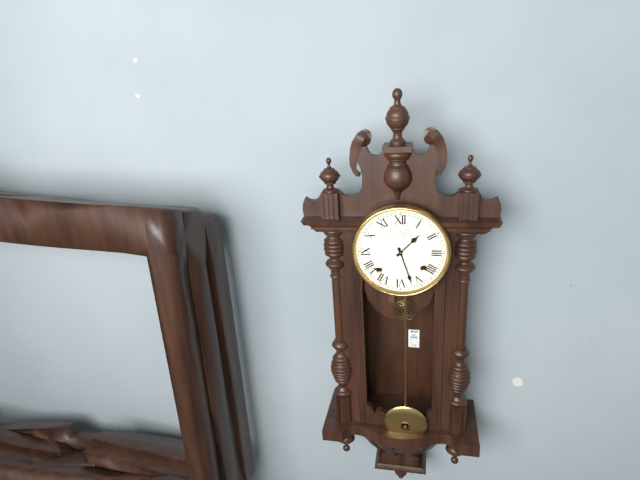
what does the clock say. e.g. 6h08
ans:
1h27
